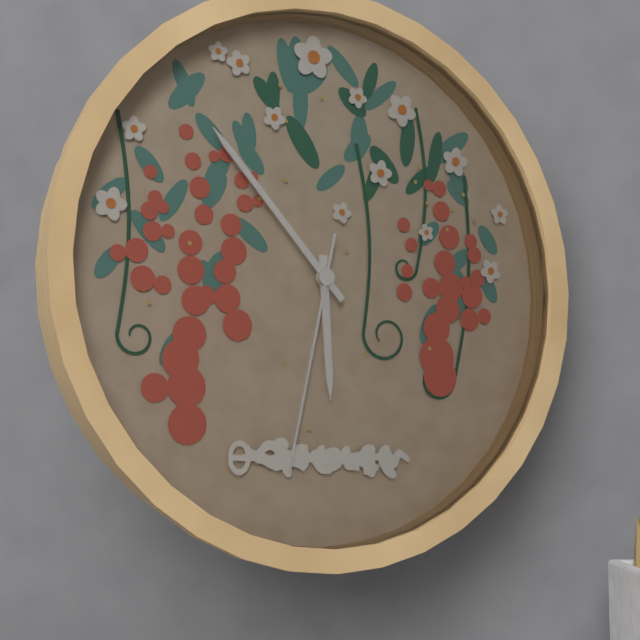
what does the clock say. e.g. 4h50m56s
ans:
5h53m32s
